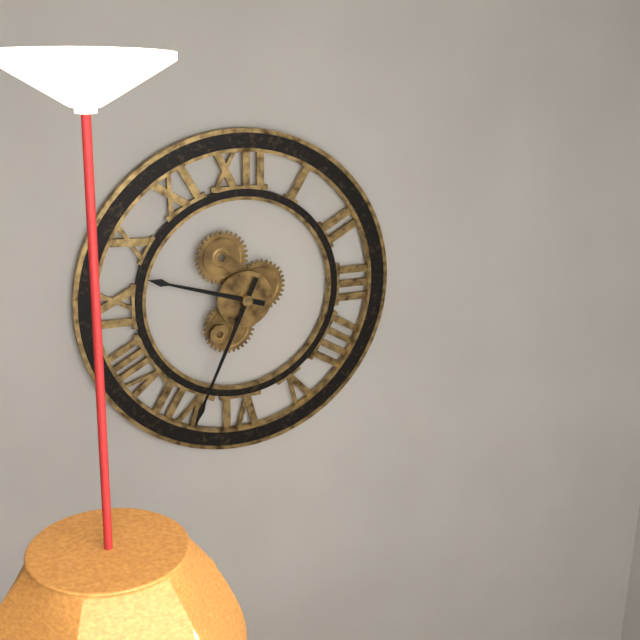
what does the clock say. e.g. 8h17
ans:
9h34
